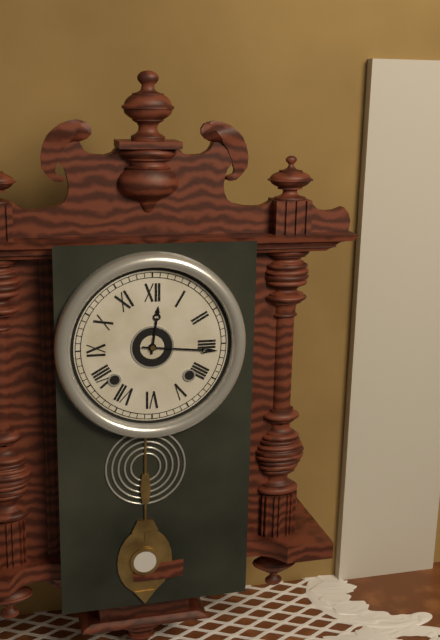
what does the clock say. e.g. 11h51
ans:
12h16
